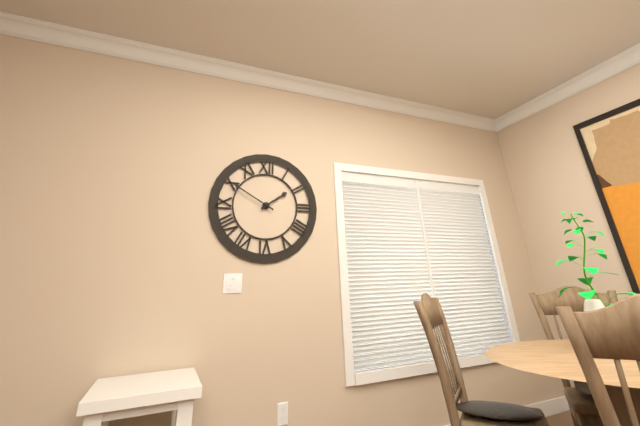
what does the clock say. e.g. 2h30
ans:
1h50
